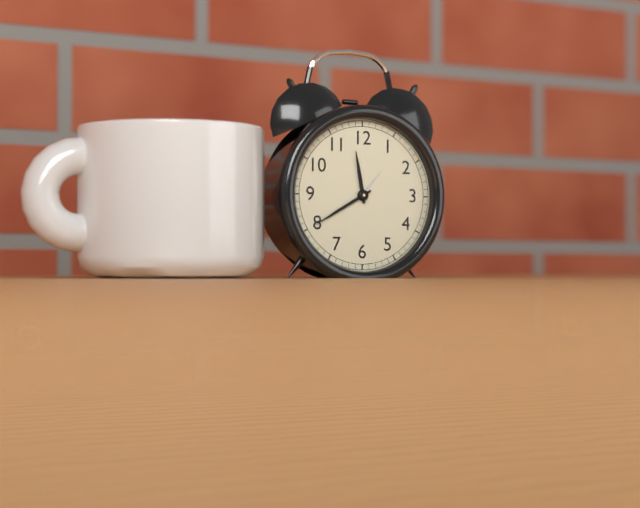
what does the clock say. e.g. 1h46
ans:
11h40
